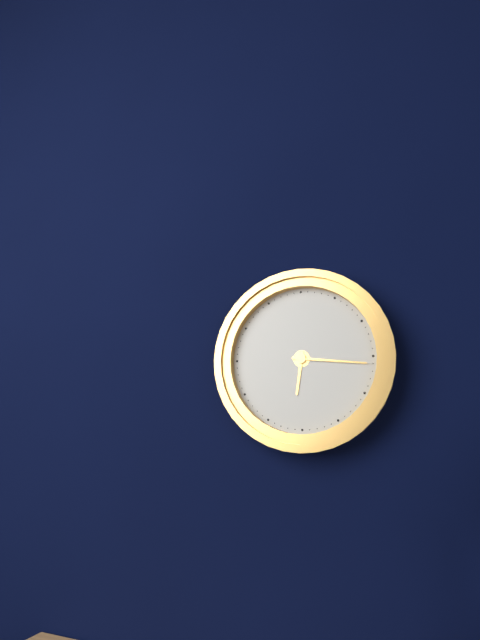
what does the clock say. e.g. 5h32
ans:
6h16
